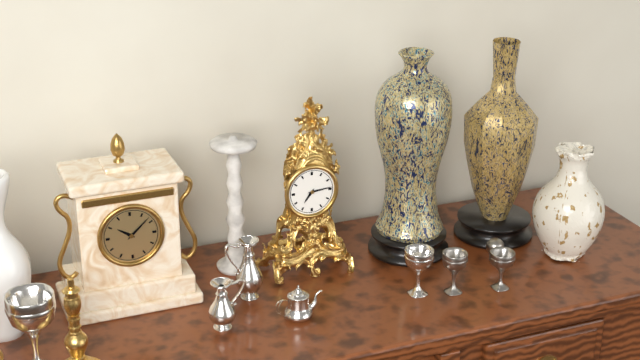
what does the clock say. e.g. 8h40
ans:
7h14
